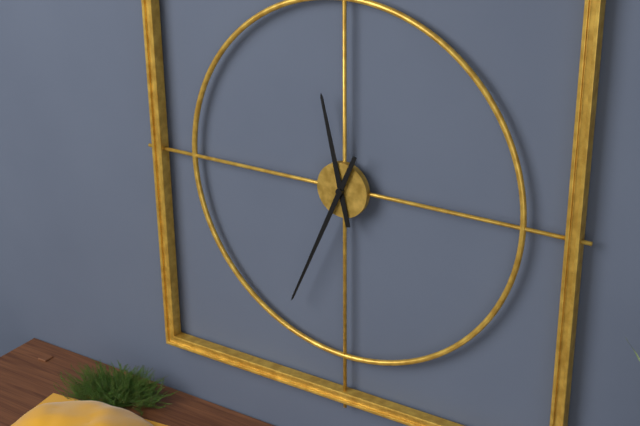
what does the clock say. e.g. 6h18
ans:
11h34
